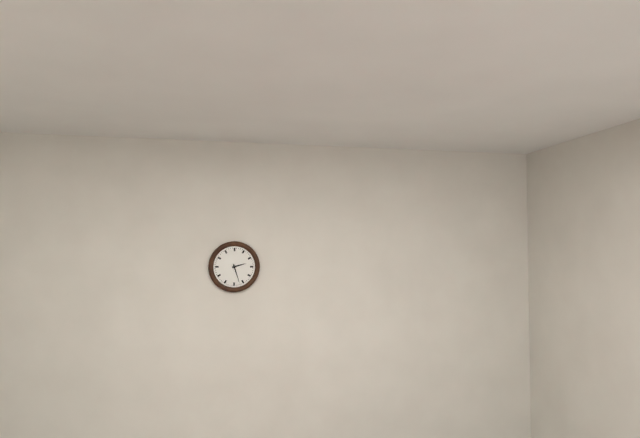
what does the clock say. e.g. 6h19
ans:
2h27
